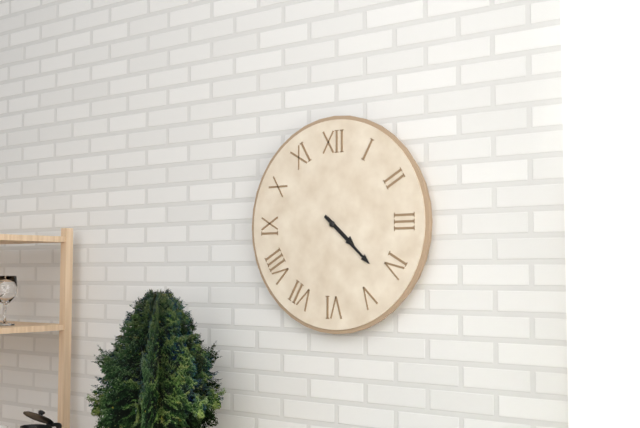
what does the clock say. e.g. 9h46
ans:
4h22
